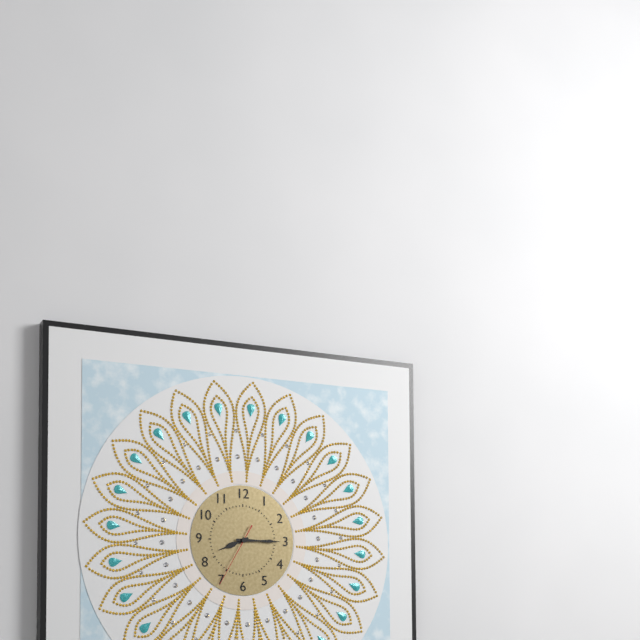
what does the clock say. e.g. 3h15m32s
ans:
8h15m35s
